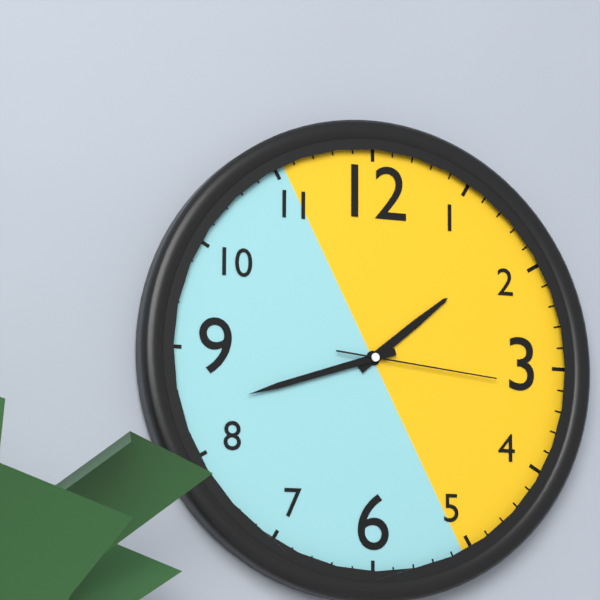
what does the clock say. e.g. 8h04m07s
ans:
1h42m16s
